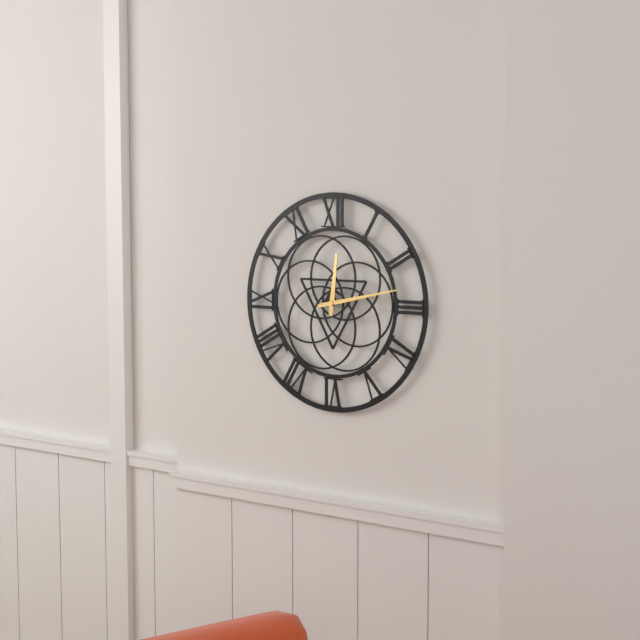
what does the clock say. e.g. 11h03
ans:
12h13
